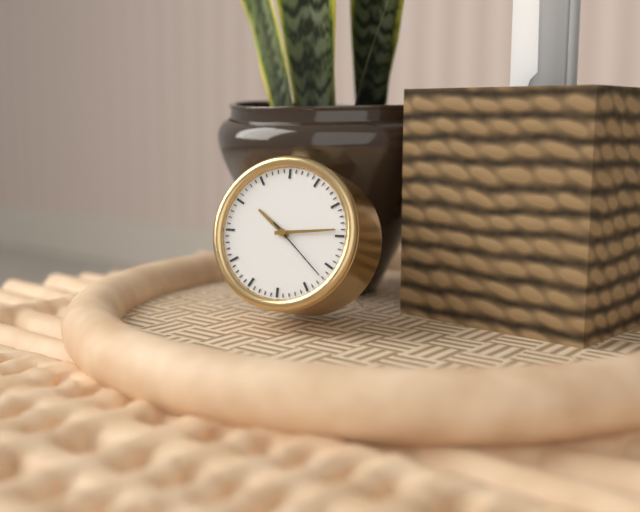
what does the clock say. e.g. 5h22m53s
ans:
10h14m22s
